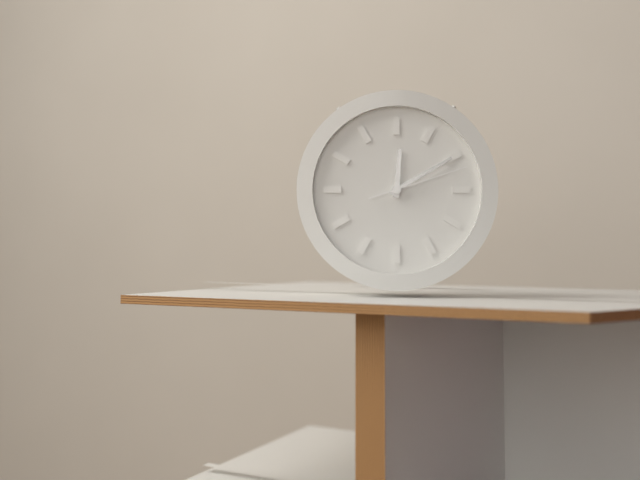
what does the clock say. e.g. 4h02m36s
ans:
12h10m12s
